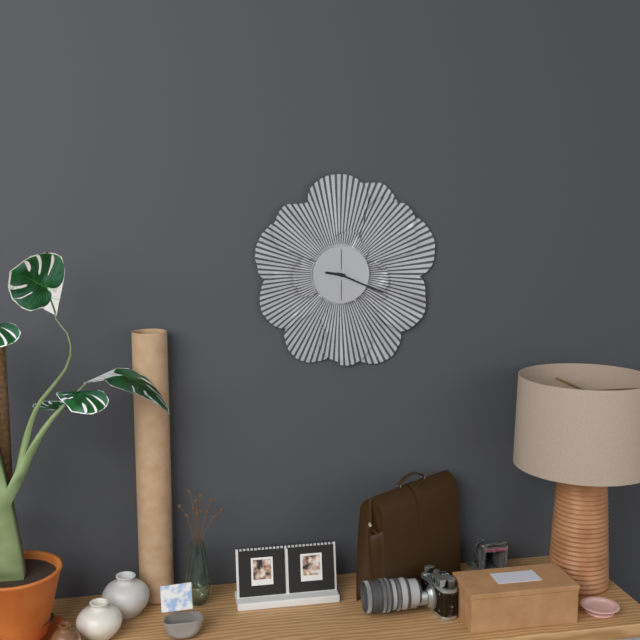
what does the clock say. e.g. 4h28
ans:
9h19
